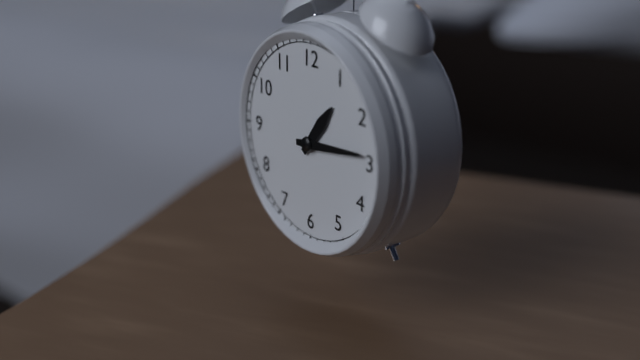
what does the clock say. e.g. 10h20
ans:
1h14
